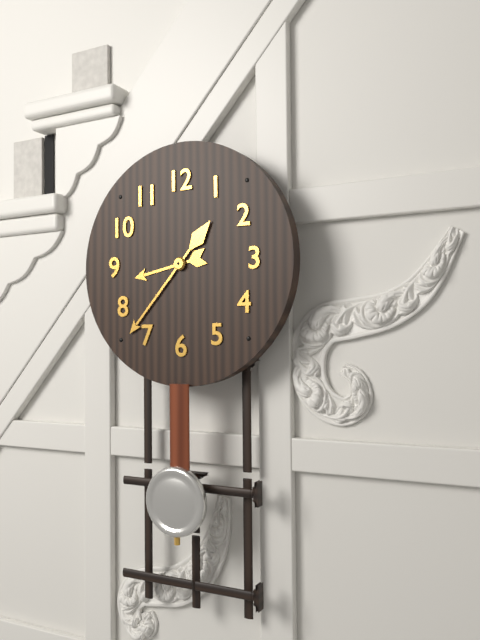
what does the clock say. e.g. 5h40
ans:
8h37
